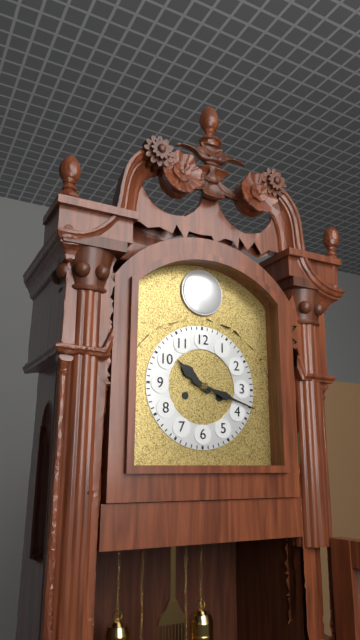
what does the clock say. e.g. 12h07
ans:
10h18
